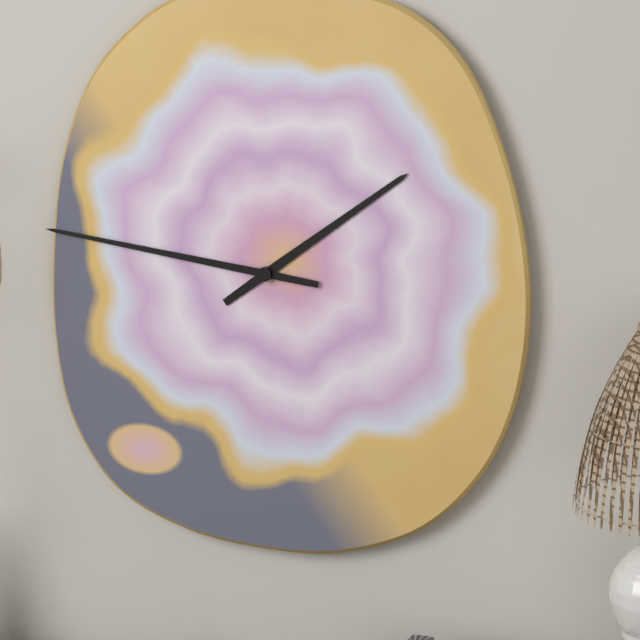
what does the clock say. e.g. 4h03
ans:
1h46
